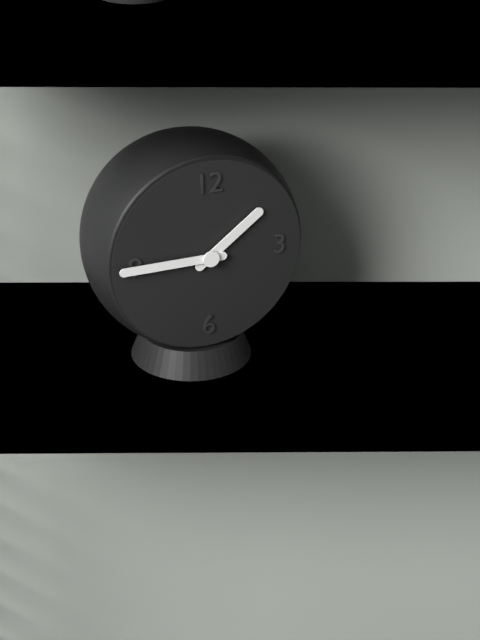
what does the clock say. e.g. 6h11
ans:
1h45
